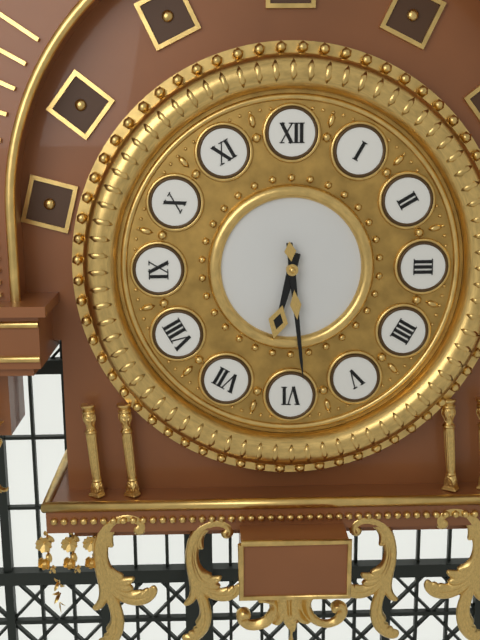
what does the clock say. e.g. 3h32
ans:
6h29
